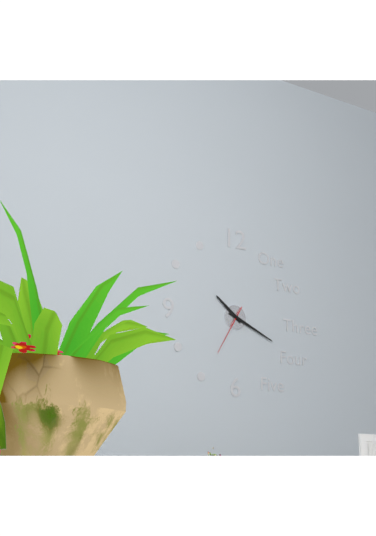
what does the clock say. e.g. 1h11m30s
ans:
10h19m35s
